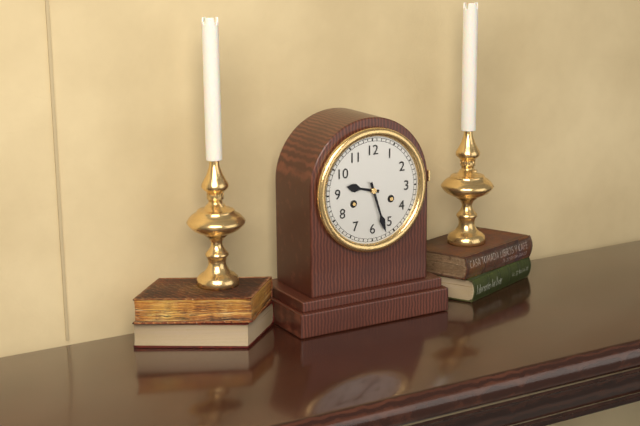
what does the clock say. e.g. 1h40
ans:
9h27
